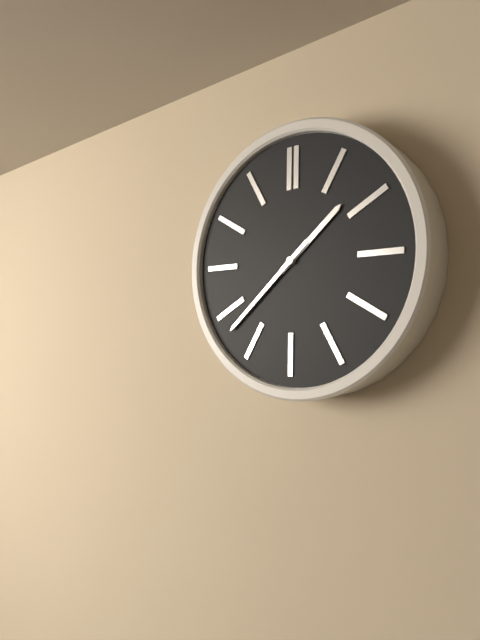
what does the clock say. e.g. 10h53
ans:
1h38
